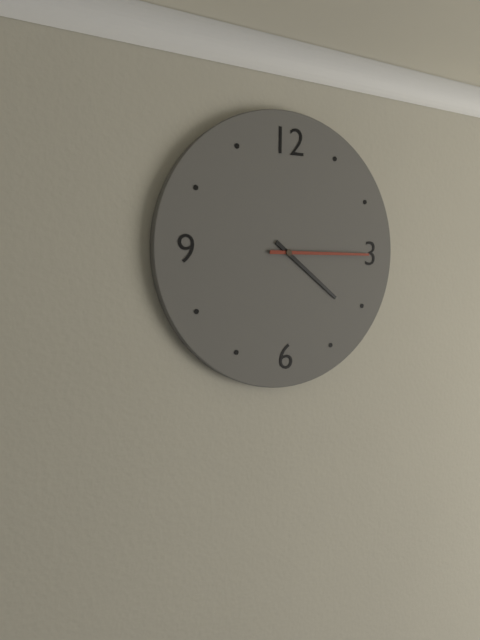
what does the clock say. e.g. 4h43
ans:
4h15
